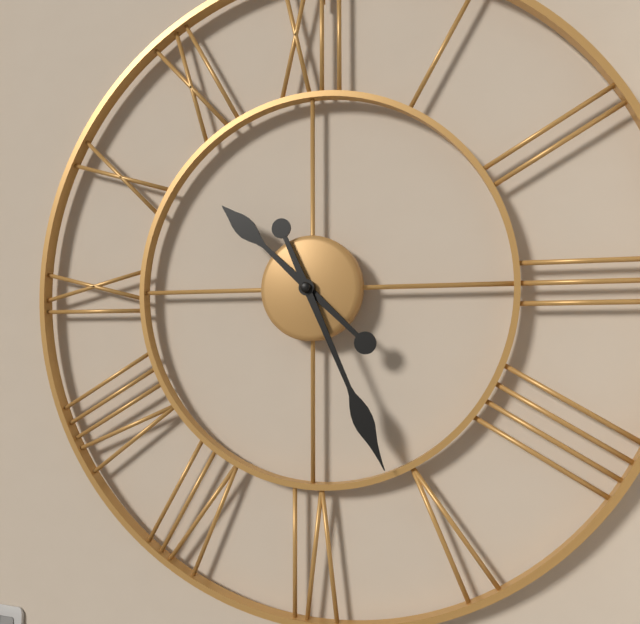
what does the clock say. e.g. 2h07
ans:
10h26
